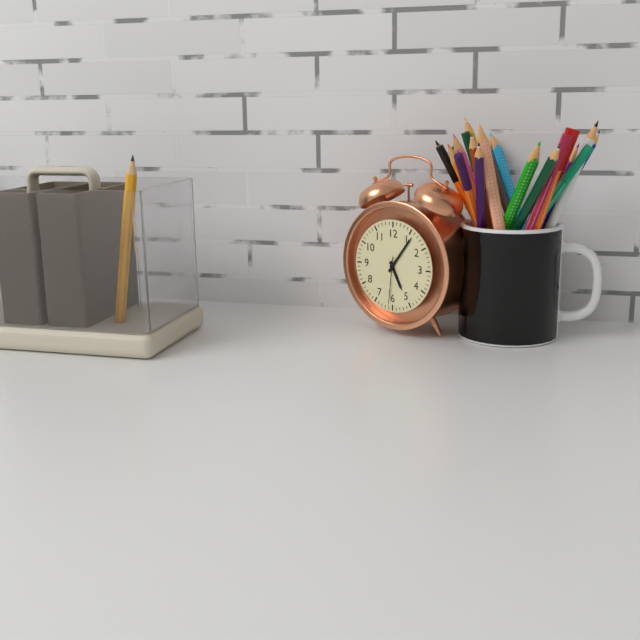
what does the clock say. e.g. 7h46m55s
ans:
5h06m31s
